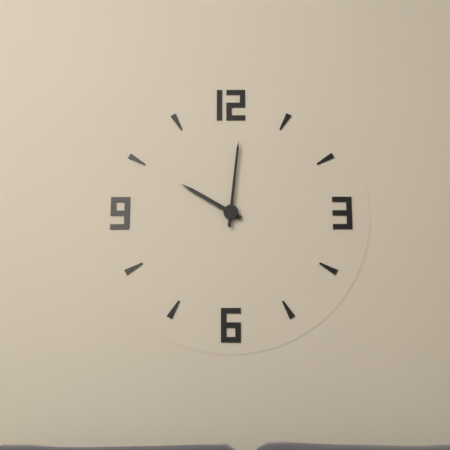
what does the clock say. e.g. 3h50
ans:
10h01
